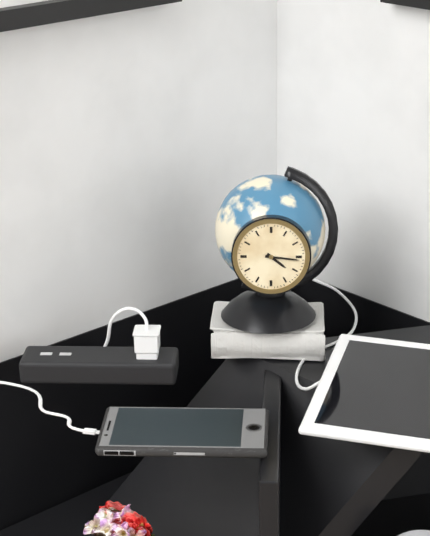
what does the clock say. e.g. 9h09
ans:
4h16
